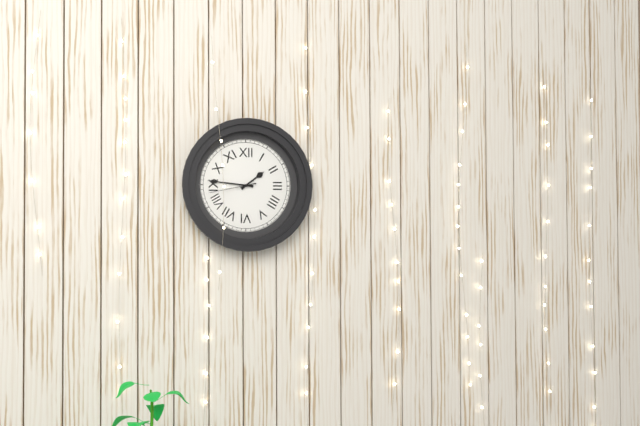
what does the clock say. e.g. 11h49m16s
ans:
1h46m43s
